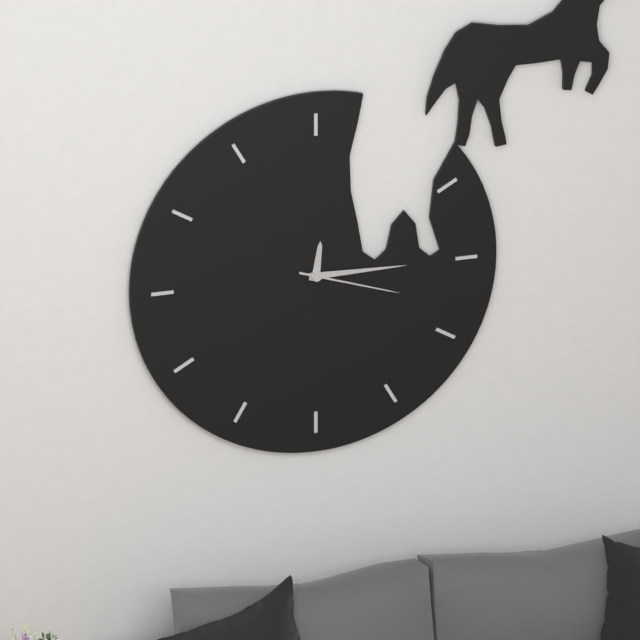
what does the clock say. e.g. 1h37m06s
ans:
12h15m18s
